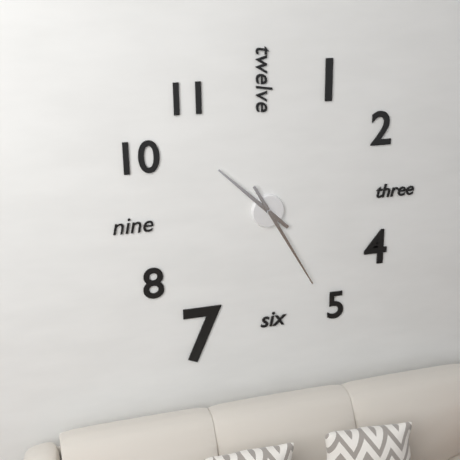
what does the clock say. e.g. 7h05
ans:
10h25
